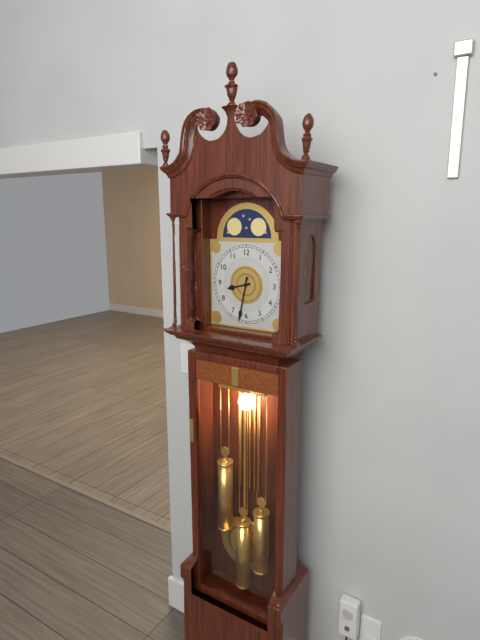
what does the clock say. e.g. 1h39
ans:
8h32
